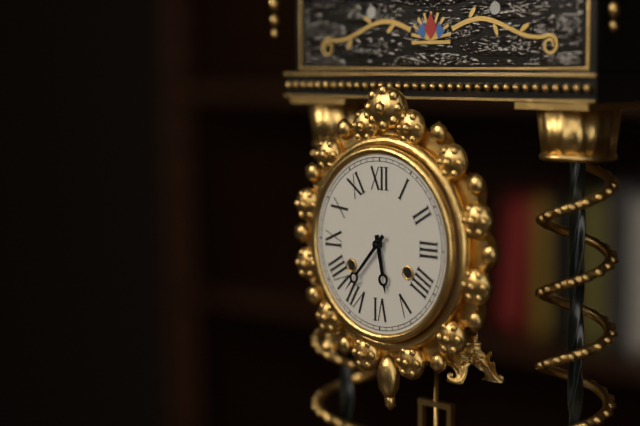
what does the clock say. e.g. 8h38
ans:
5h37
